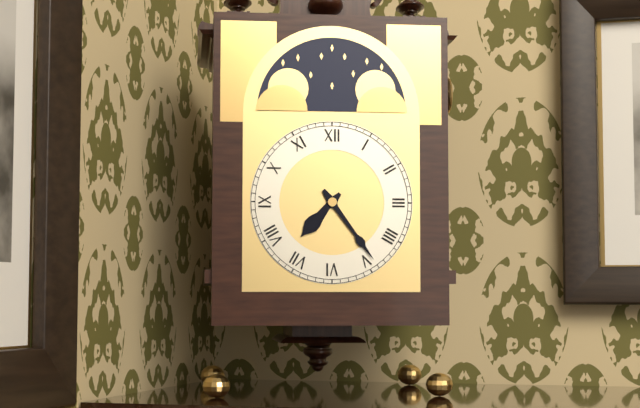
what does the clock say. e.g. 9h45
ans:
7h24
